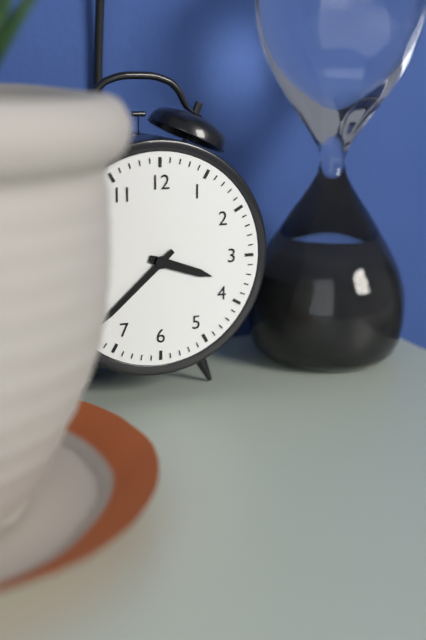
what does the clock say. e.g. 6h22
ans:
3h38
